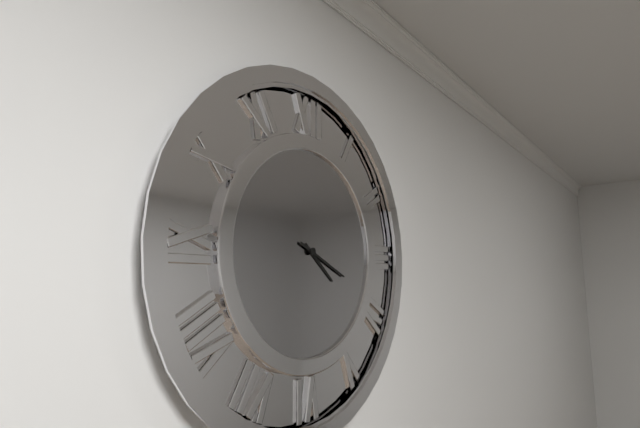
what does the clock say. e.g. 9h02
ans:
4h19
